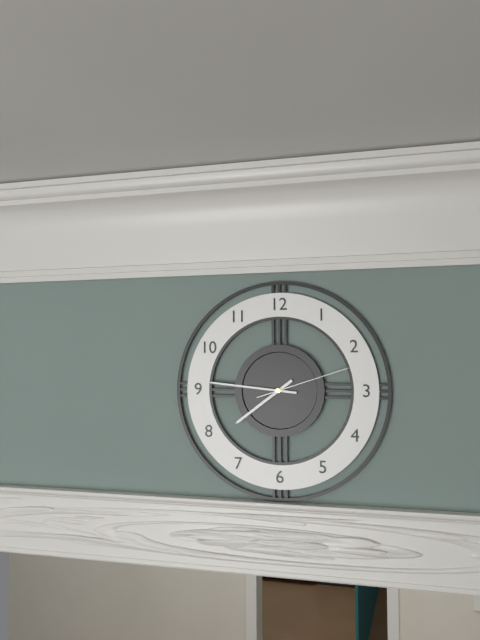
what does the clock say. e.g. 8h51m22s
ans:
7h46m12s
